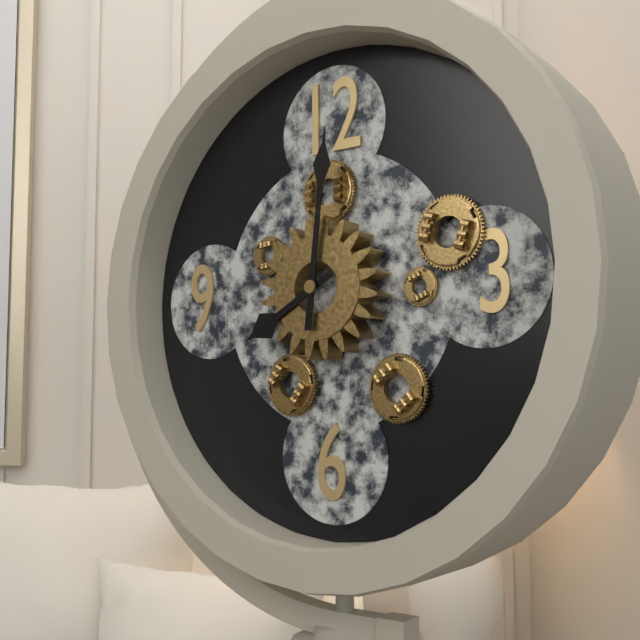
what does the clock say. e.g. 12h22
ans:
8h01
